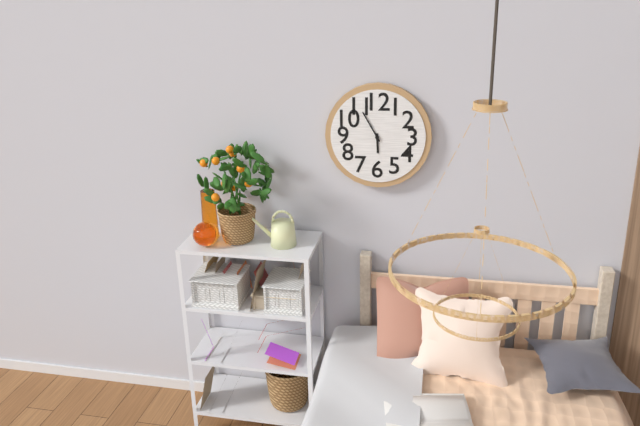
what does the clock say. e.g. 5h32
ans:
5h55
